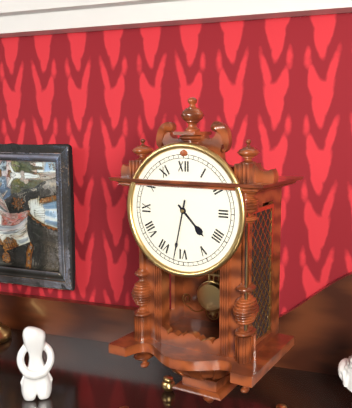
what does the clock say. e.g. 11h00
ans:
4h32
